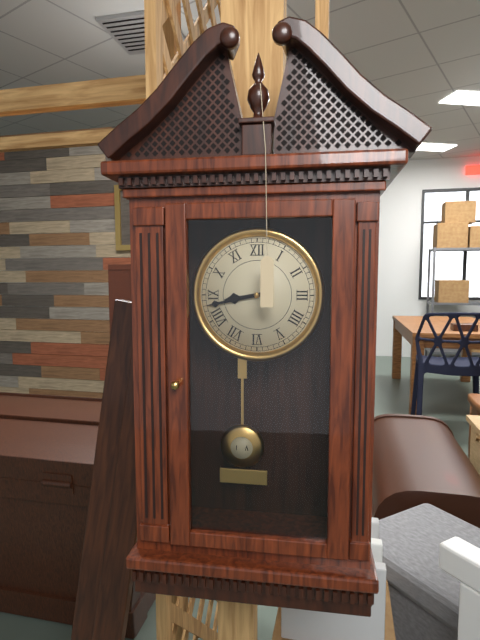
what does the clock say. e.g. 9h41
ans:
8h43
